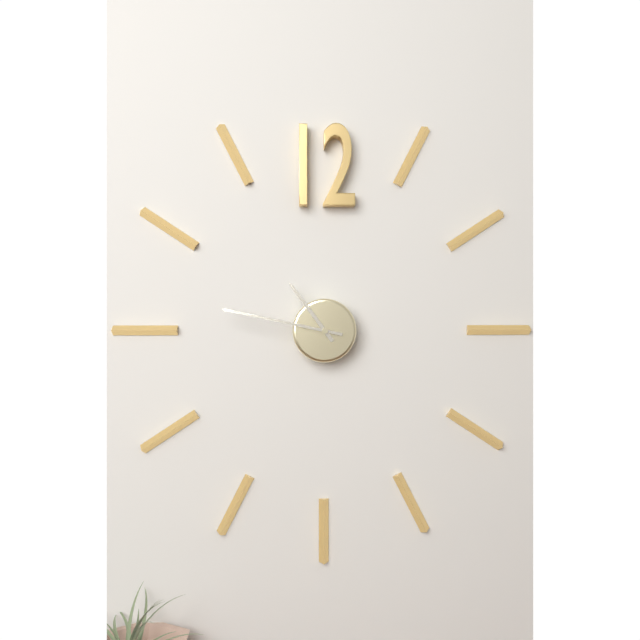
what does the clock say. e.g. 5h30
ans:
10h47
